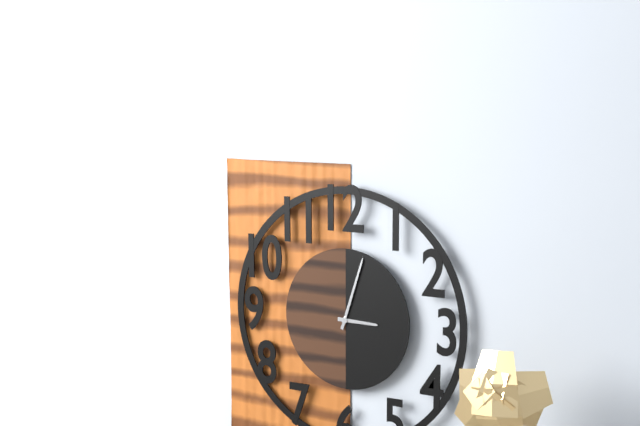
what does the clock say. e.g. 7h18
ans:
3h03
